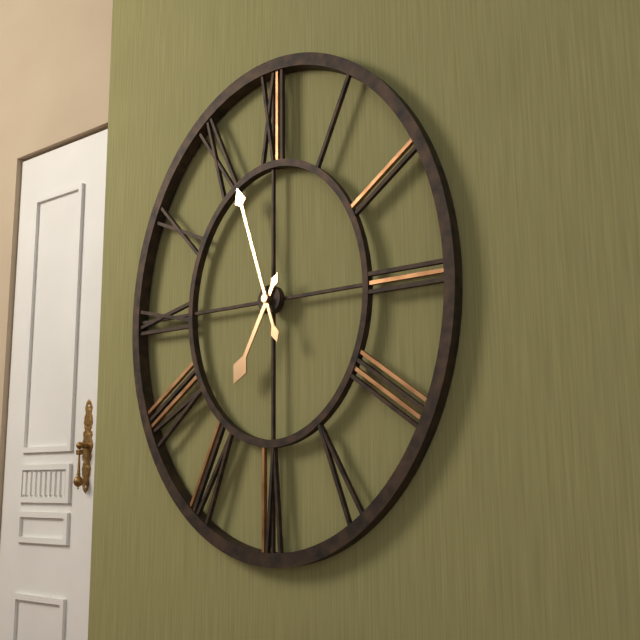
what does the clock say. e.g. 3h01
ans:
6h57
